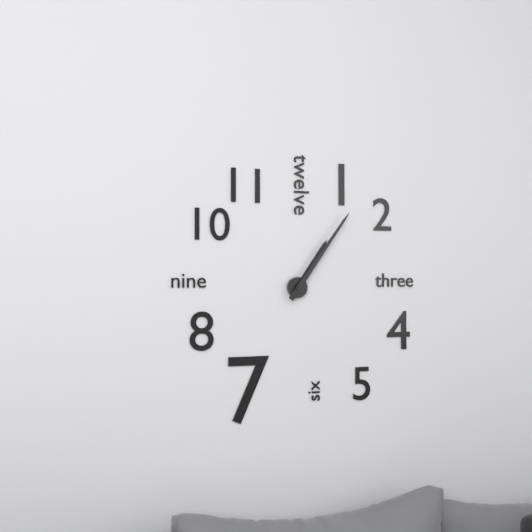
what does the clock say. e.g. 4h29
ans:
1h06
